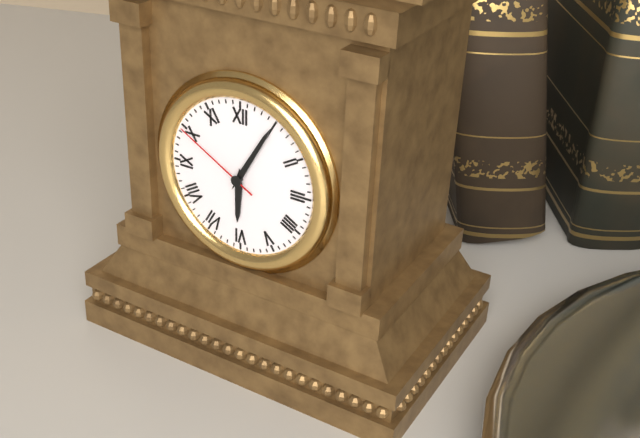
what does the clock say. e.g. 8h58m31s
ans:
6h05m50s
